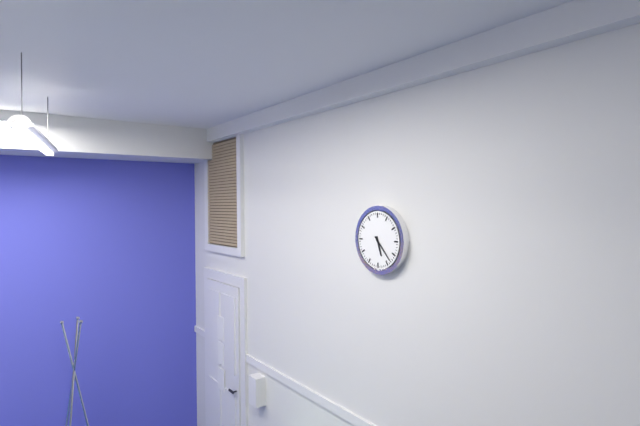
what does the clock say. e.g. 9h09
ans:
5h23
